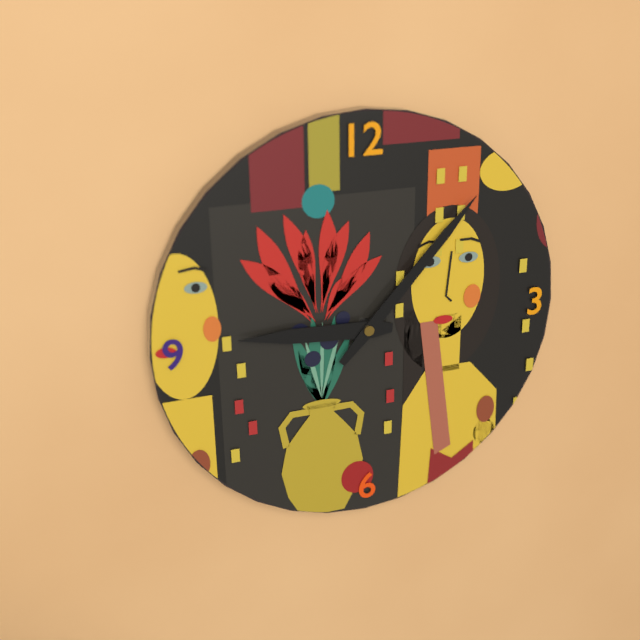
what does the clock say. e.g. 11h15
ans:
9h07
